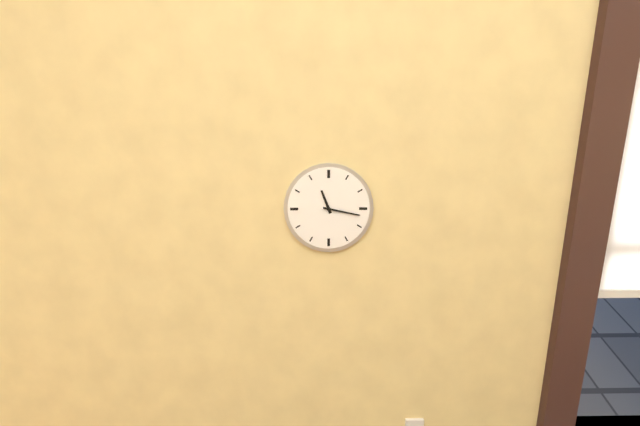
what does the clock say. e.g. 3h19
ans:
11h17
